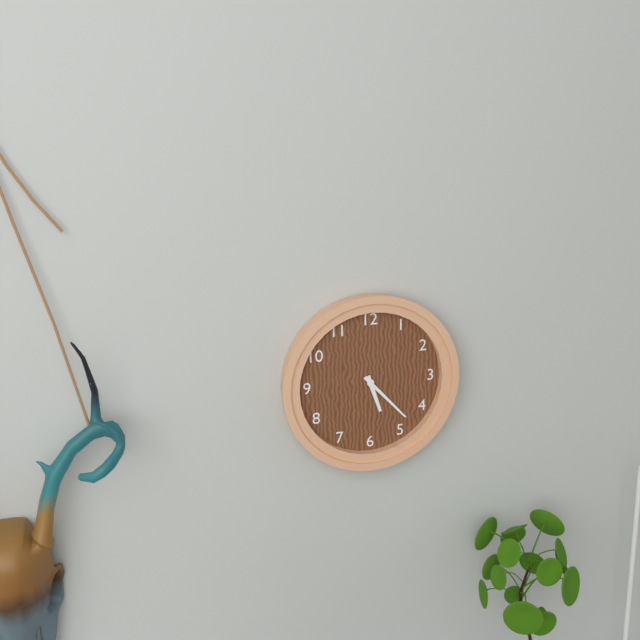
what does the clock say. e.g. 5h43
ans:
5h23
